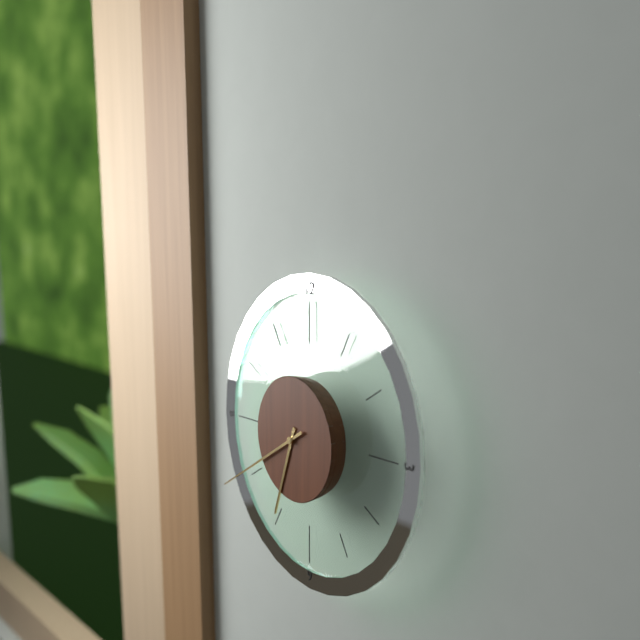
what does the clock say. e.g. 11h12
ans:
6h40
